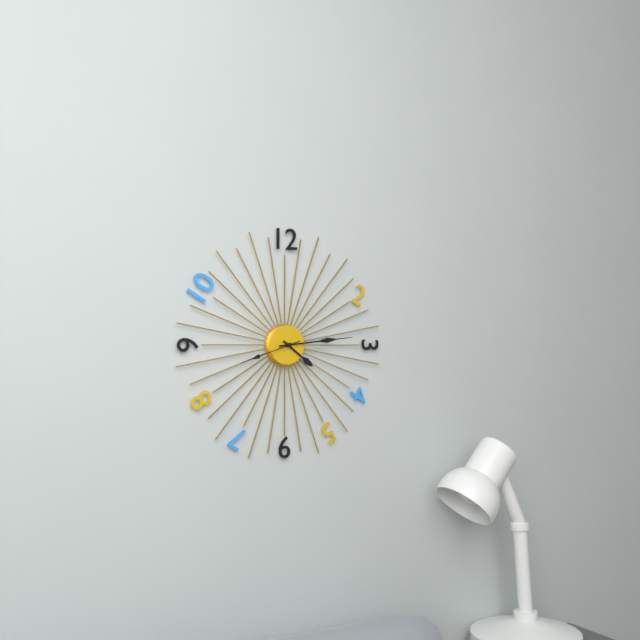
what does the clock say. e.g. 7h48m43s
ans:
4h14m42s
